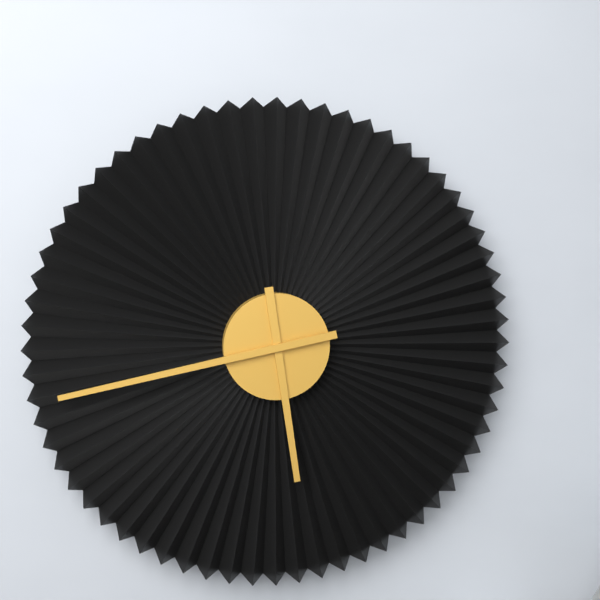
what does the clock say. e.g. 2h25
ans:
5h43
